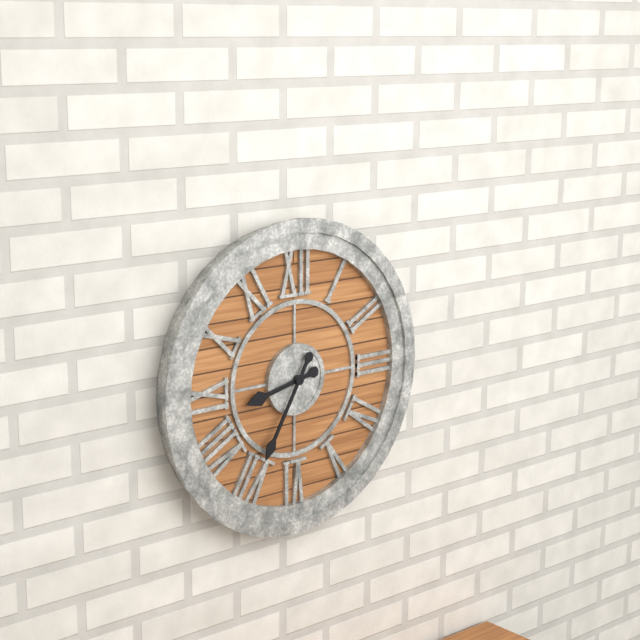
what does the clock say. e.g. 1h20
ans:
8h35
